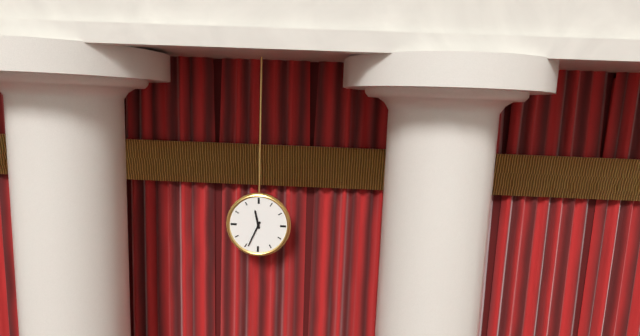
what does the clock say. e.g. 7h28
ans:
11h34
